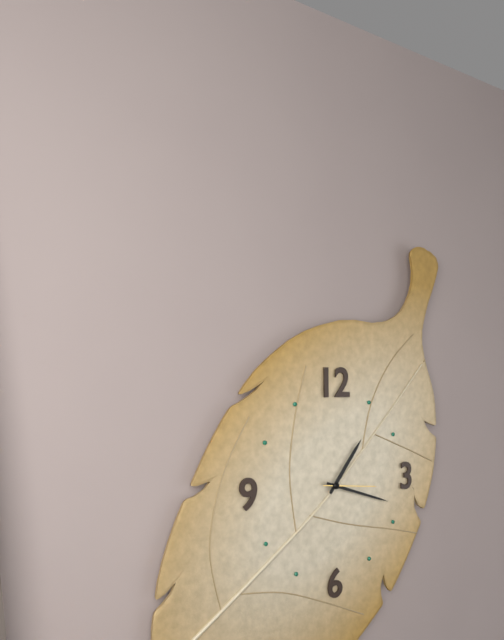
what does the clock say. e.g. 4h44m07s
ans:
1h18m16s
